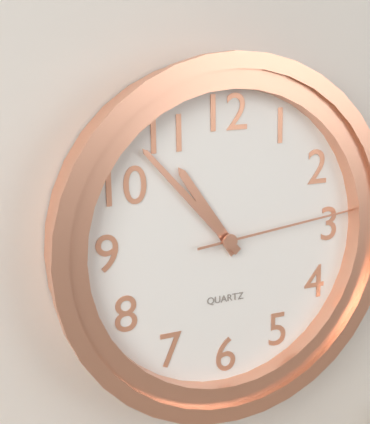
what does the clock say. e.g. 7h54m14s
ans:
10h53m14s
